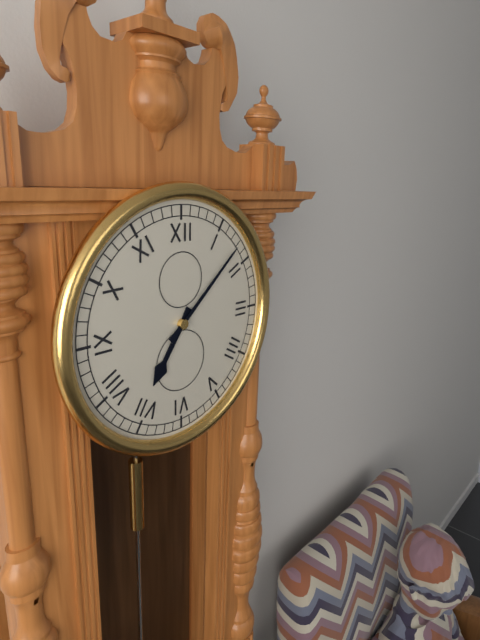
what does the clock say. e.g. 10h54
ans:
7h08
